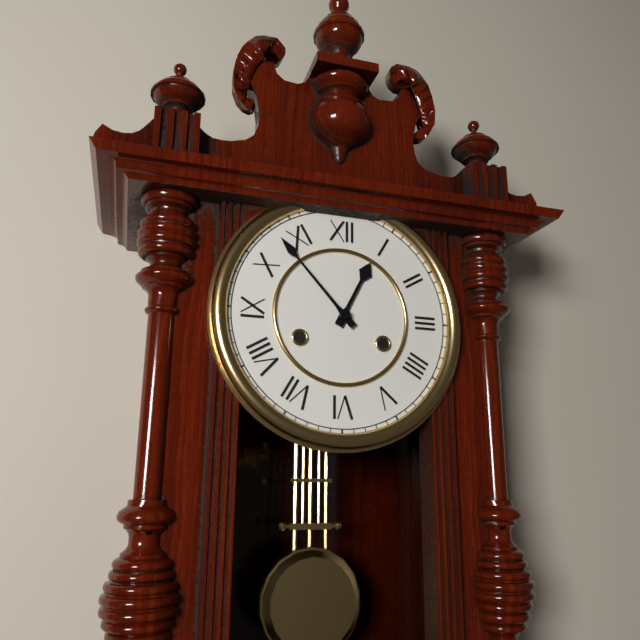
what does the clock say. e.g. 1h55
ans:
12h53
